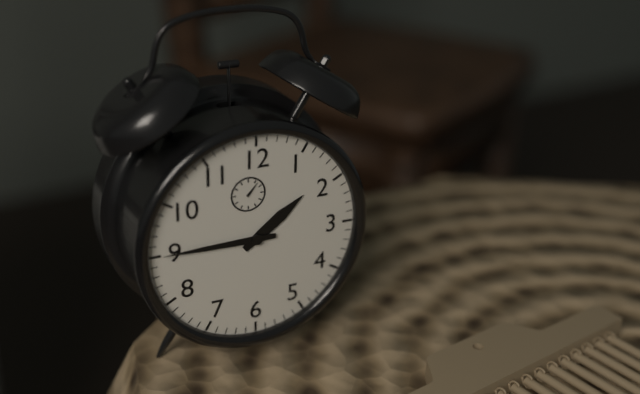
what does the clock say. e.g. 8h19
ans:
1h45
